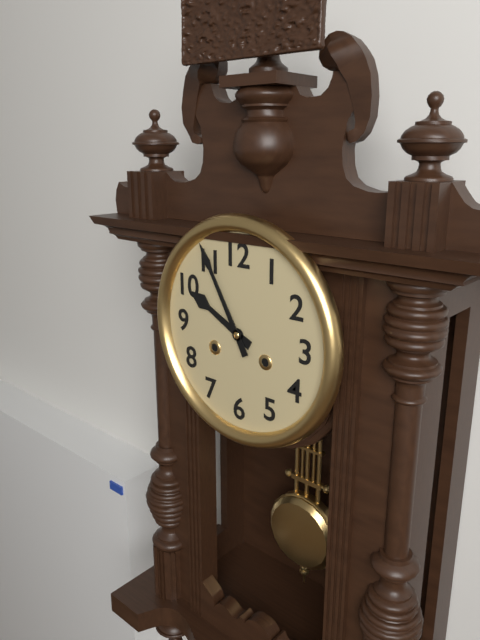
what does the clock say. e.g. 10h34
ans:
9h55
